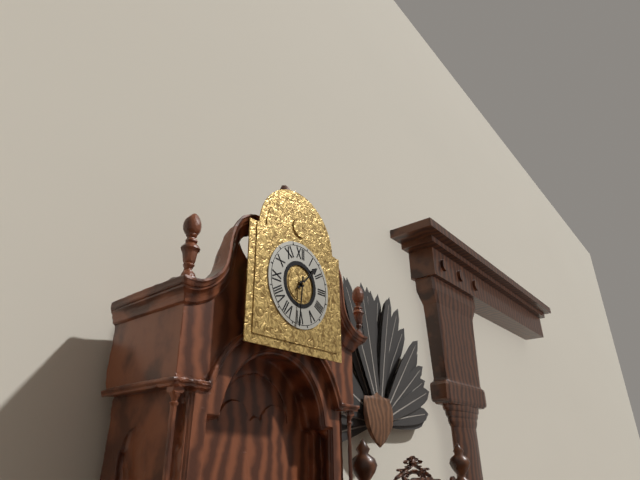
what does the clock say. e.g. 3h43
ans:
1h31
